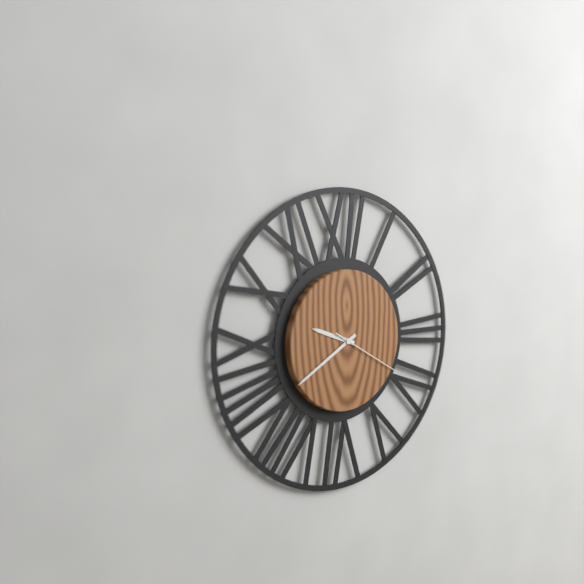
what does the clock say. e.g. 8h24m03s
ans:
9h40m20s
